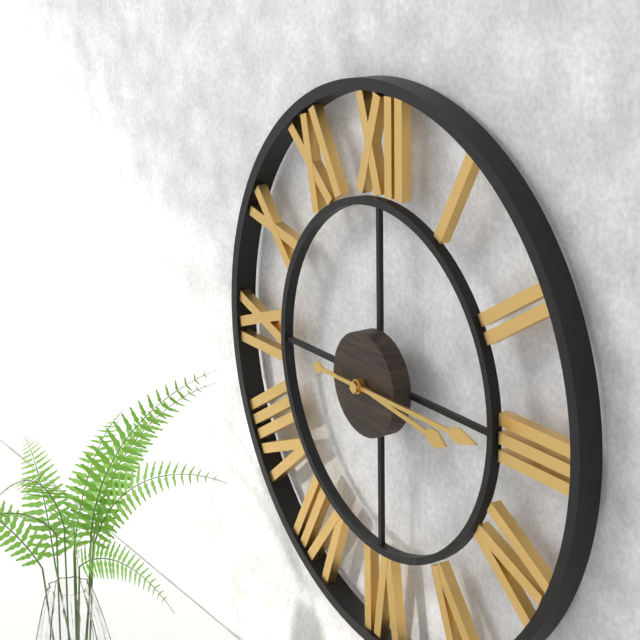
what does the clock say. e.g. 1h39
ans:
3h15
